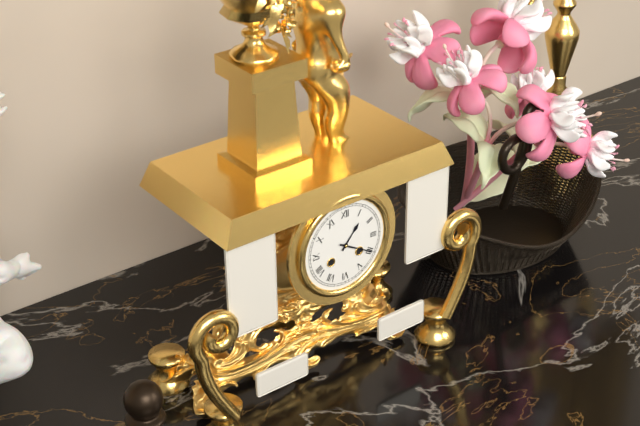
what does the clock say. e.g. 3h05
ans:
1h20
